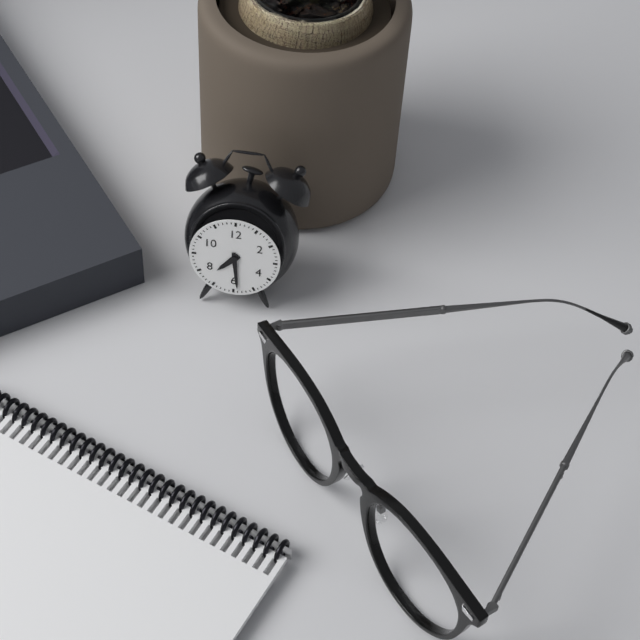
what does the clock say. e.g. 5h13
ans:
7h29
